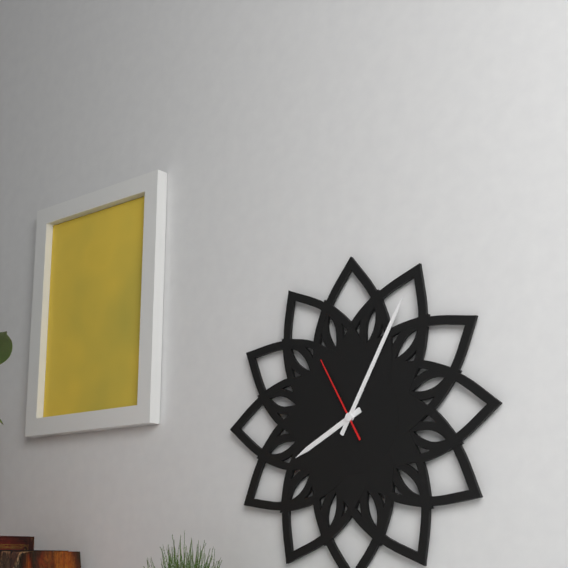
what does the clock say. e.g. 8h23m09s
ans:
8h05m55s
